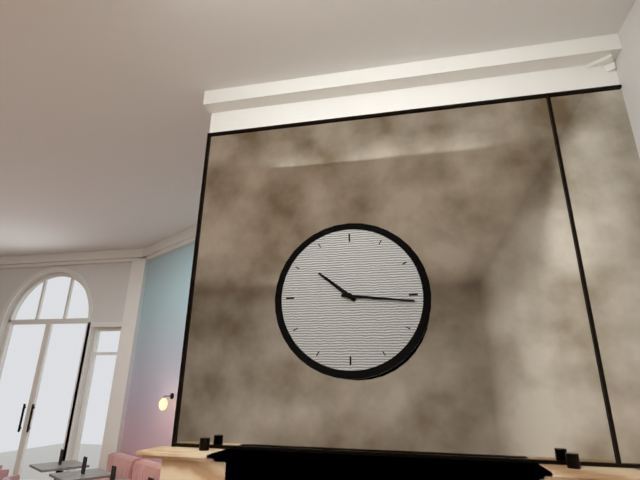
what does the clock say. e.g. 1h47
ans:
10h16
